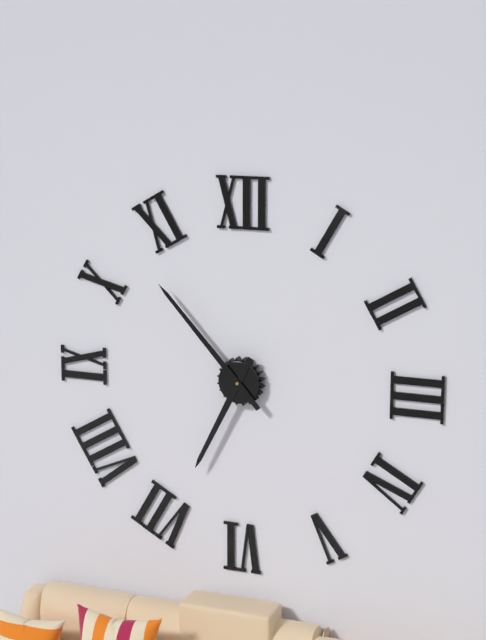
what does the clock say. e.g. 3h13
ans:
6h53
